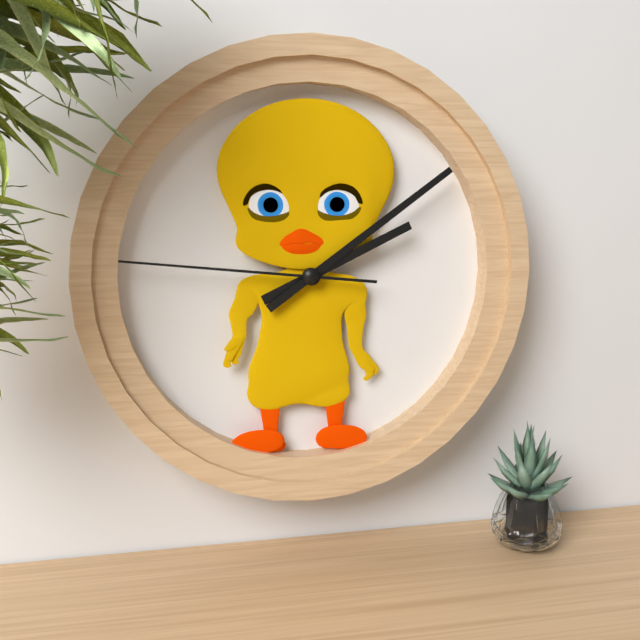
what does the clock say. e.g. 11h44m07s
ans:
2h09m46s
